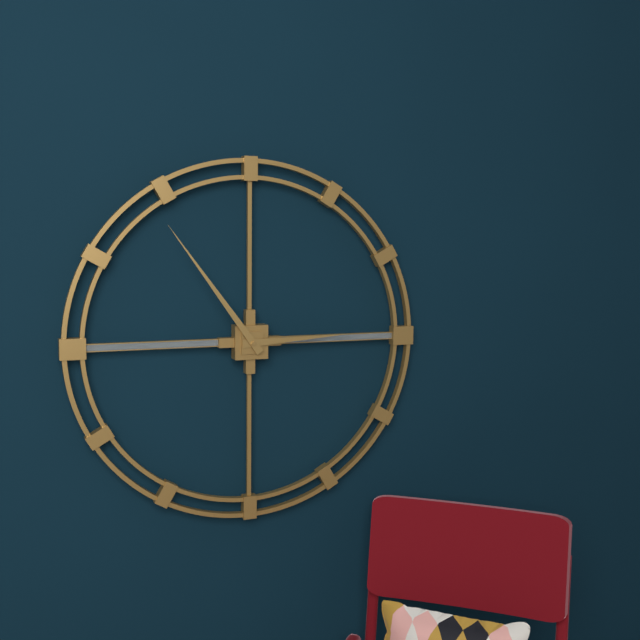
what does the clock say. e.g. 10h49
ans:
2h54
